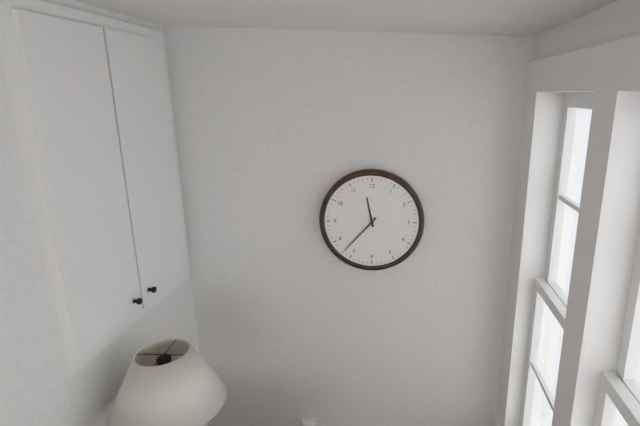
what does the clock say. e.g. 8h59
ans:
11h37
